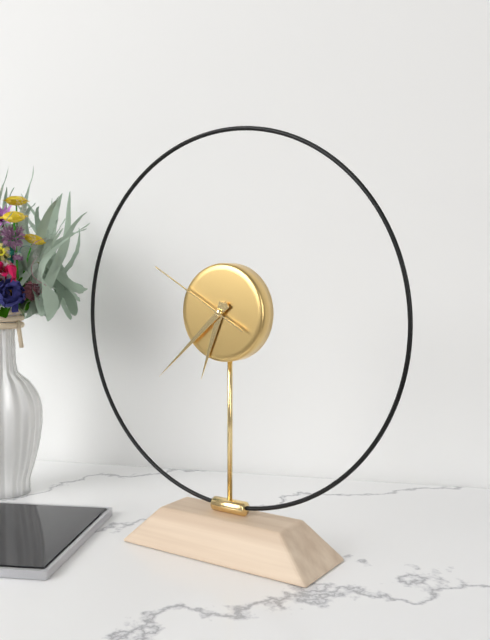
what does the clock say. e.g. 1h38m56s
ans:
6h38m50s
